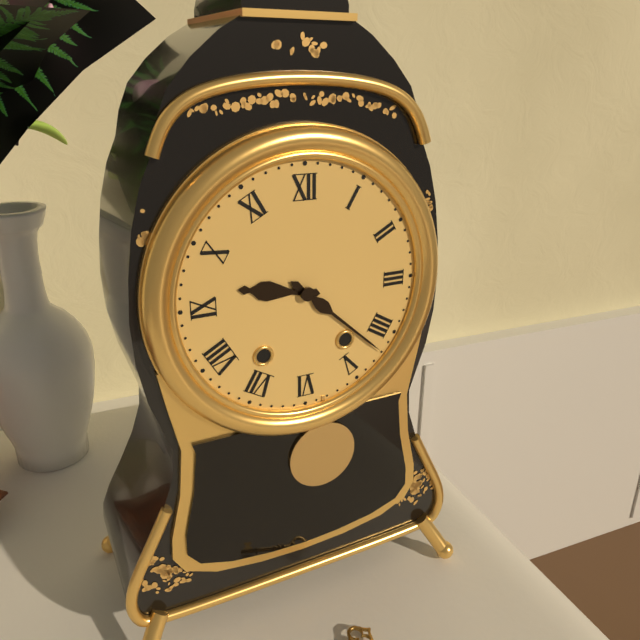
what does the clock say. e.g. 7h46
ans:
9h22
